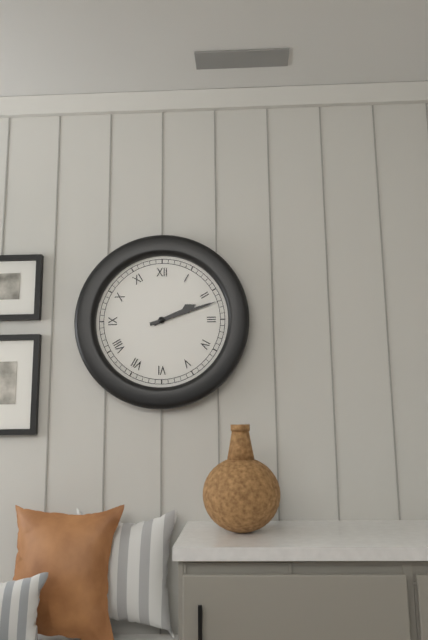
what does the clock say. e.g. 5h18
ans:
2h12
